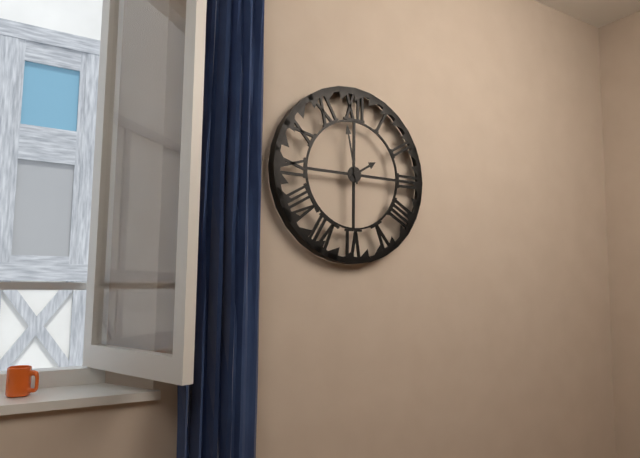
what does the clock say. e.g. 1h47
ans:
1h58
